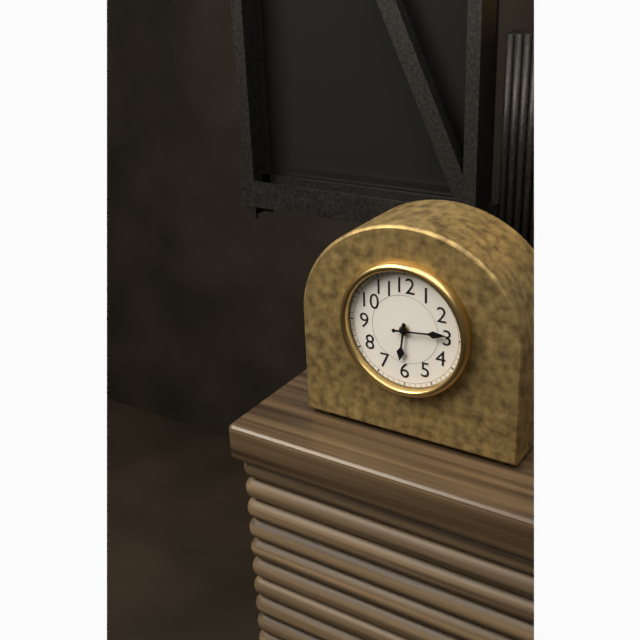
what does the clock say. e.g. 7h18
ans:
6h14
